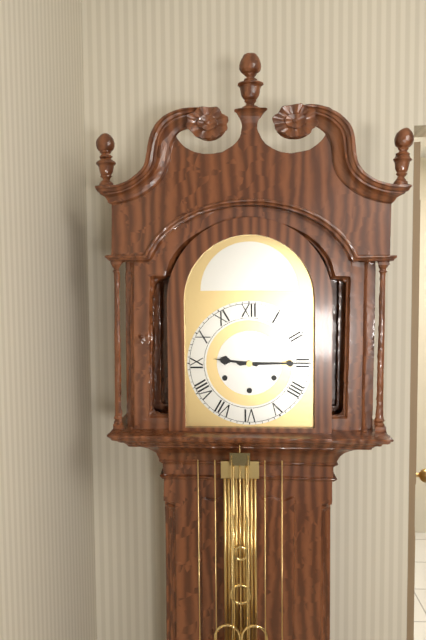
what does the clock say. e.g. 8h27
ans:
9h15
